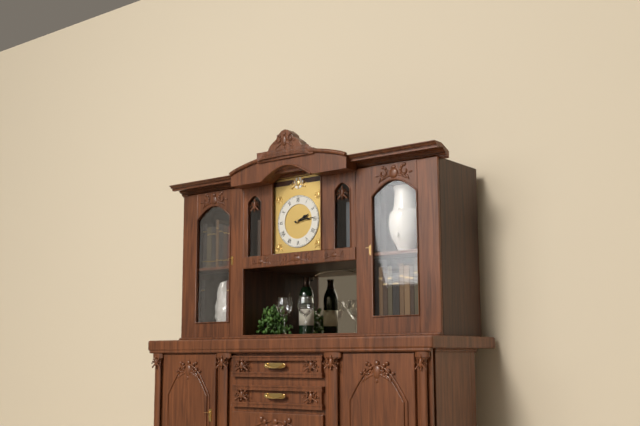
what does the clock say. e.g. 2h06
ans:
2h14
